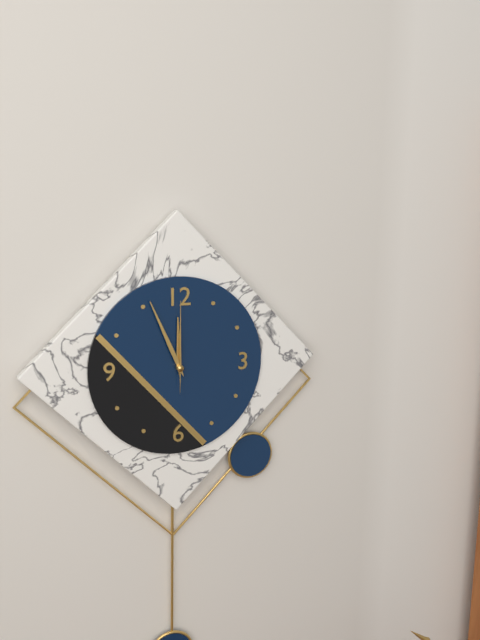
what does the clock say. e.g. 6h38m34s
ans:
11h56m00s
